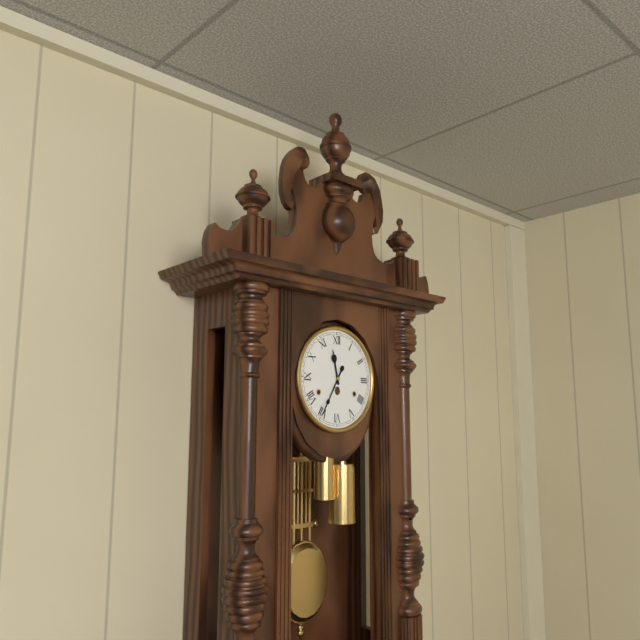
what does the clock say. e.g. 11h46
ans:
11h35
